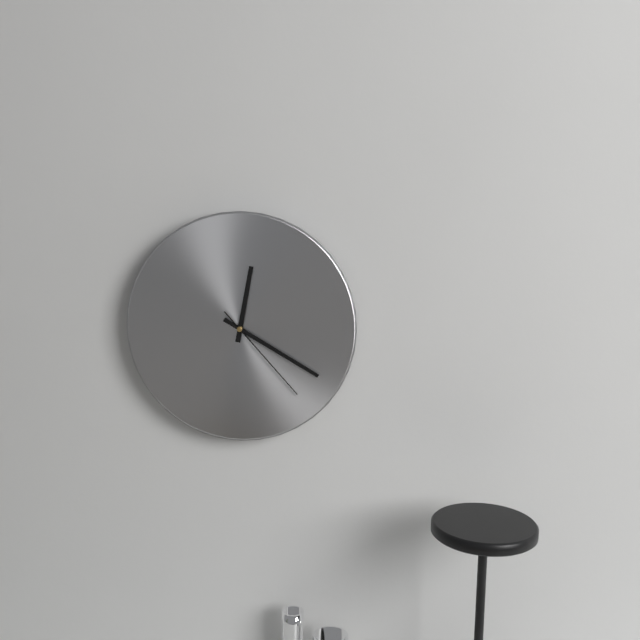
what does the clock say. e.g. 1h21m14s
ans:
12h20m23s
